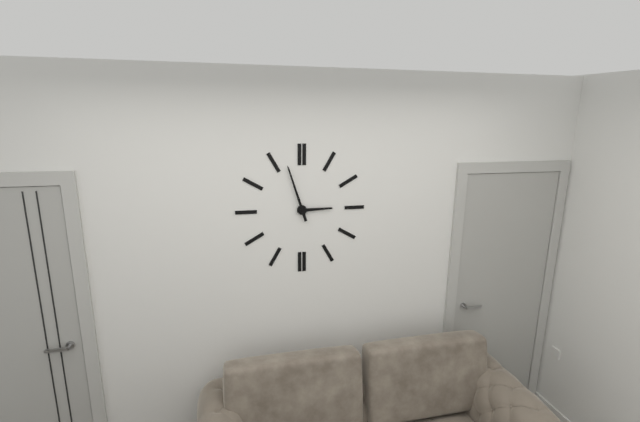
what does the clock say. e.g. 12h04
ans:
2h57
